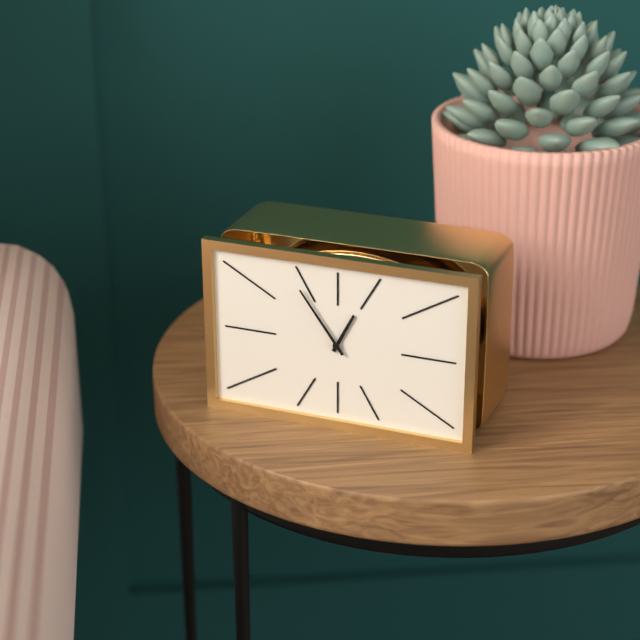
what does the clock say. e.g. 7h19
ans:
12h54
